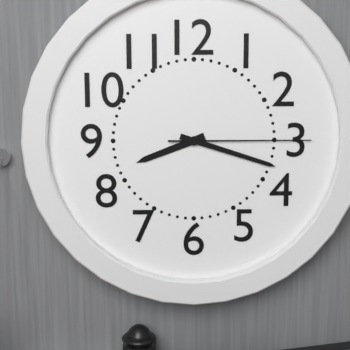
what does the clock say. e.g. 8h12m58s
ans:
8h18m15s
